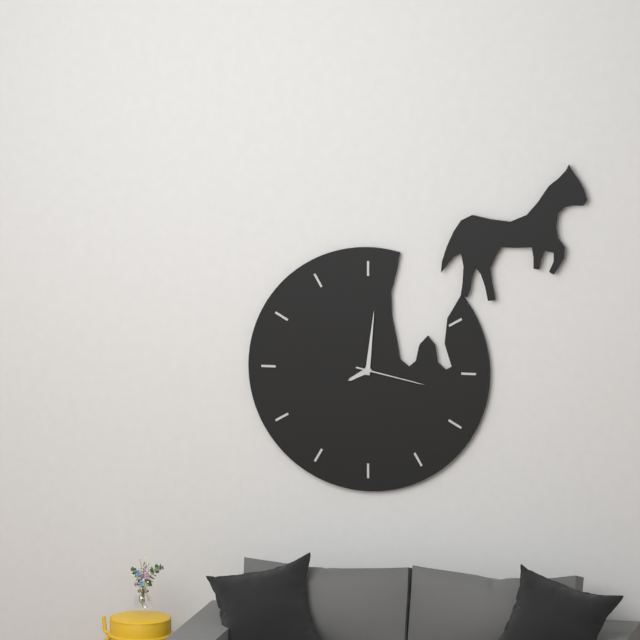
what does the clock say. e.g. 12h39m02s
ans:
8h01m17s
